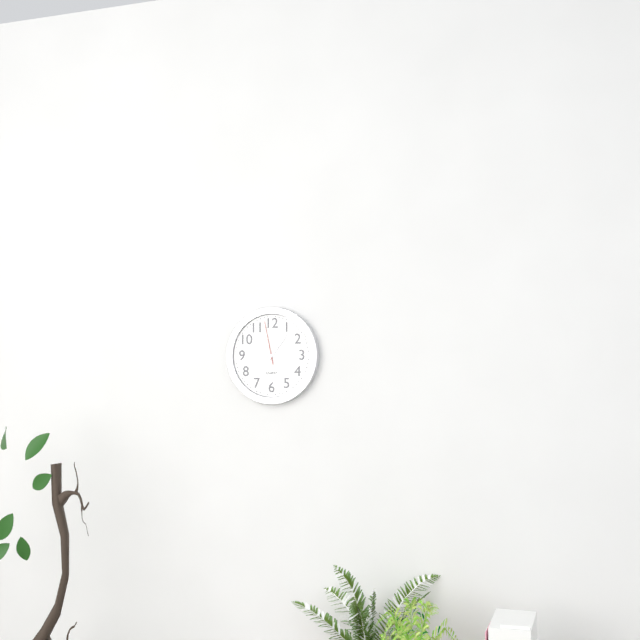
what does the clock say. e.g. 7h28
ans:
1h17
